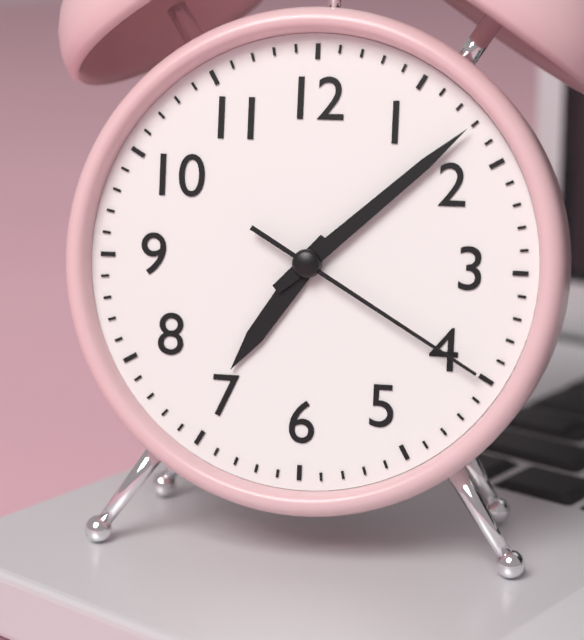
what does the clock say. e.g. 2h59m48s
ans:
7h08m20s
